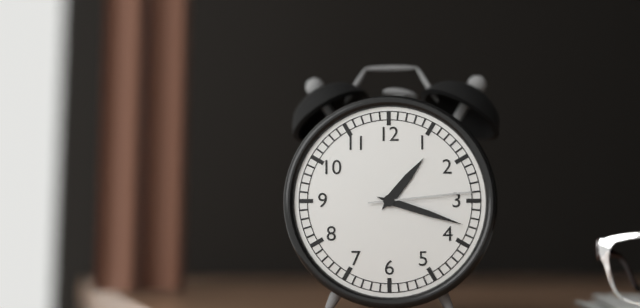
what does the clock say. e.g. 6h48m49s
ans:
1h18m14s
